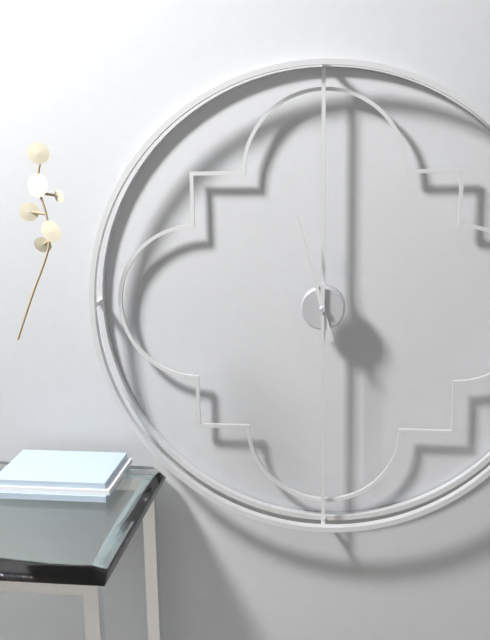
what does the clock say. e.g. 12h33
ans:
11h30
